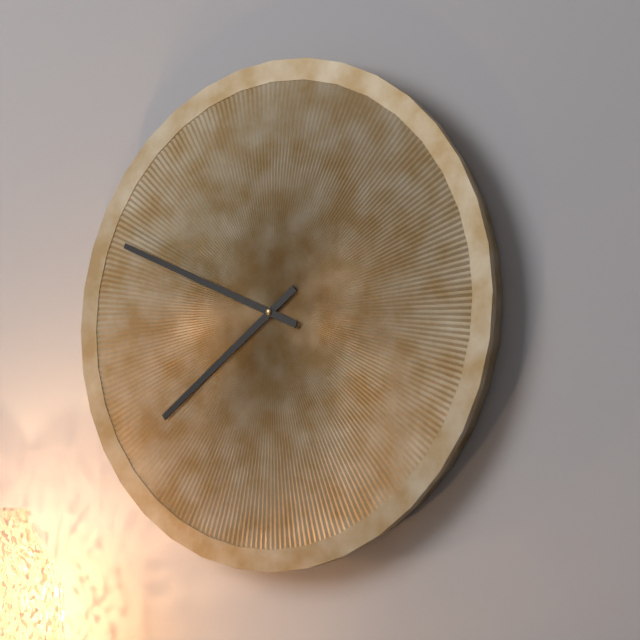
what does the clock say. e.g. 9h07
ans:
7h49
